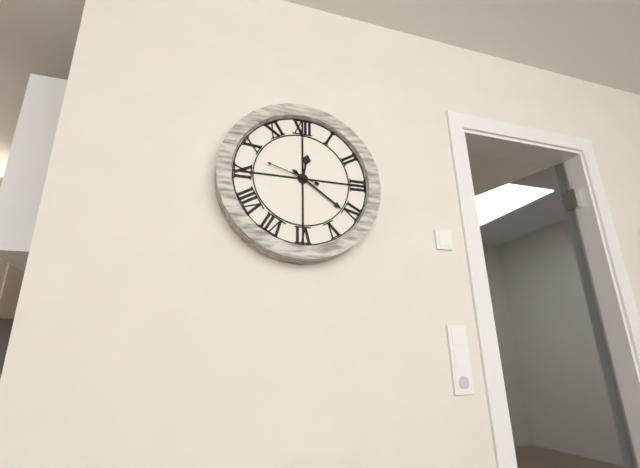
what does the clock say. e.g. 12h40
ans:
12h21
